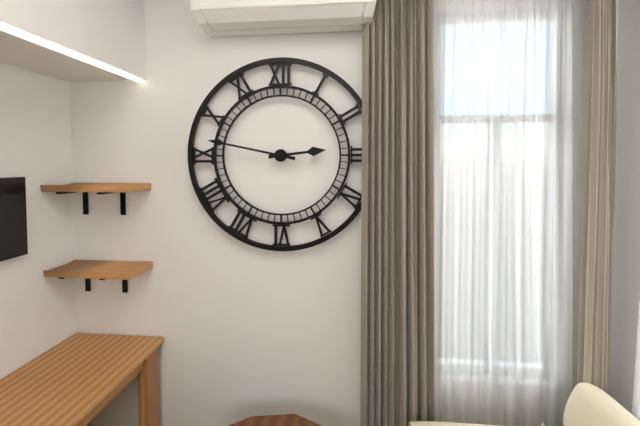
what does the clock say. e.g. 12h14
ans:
2h47
